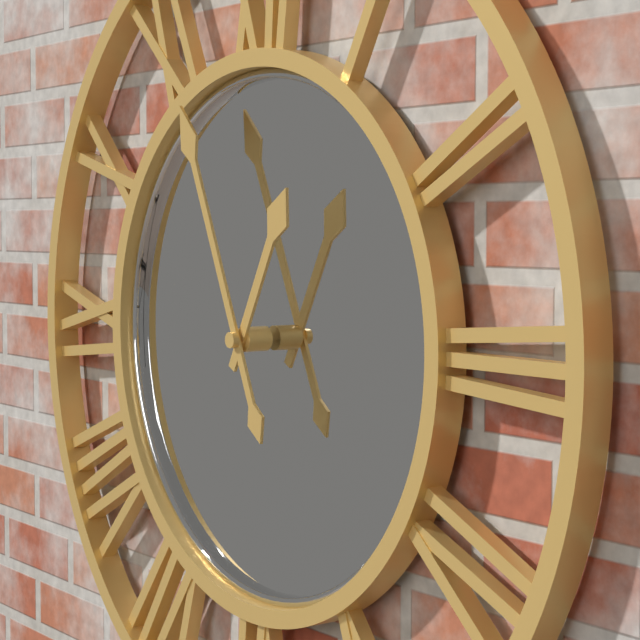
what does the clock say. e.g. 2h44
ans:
12h56
